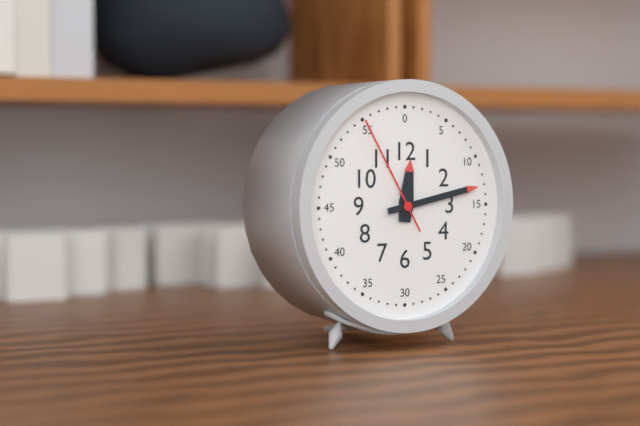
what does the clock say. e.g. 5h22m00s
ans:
12h13m55s
